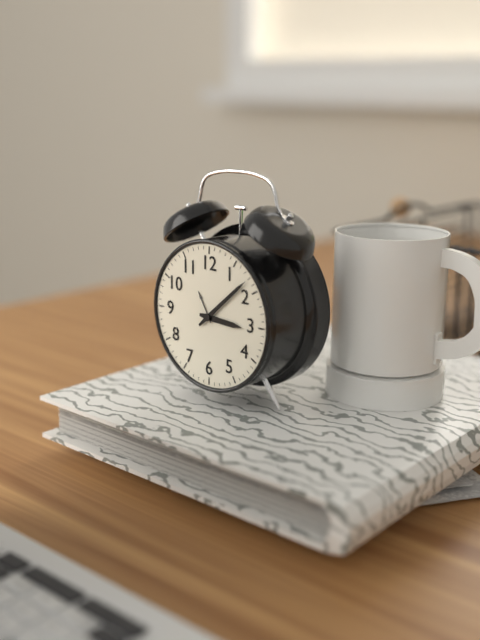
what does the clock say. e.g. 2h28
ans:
3h08
